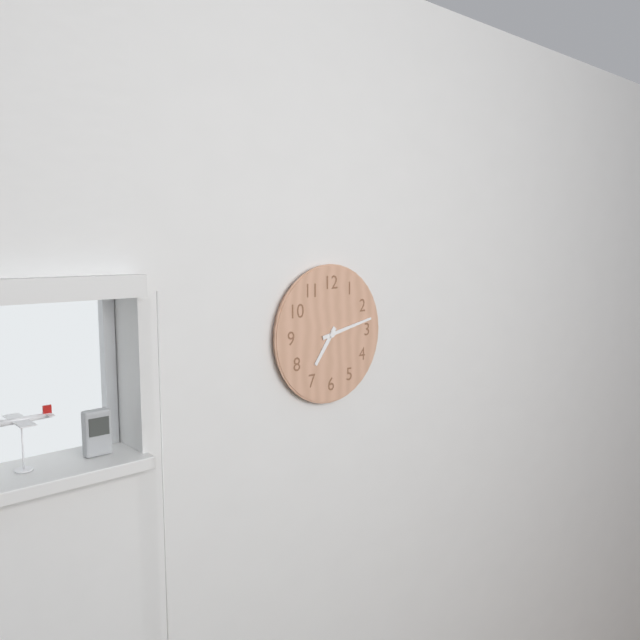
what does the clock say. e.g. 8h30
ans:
7h13
